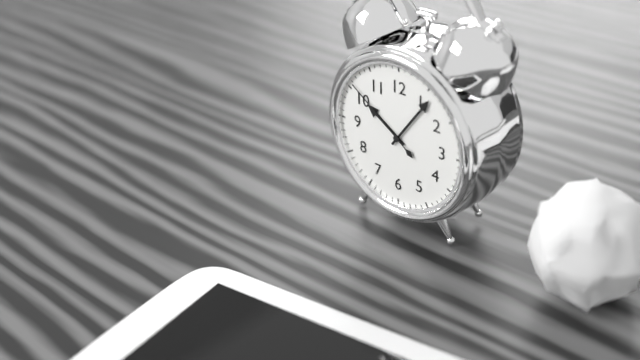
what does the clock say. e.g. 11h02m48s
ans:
10h06m51s
